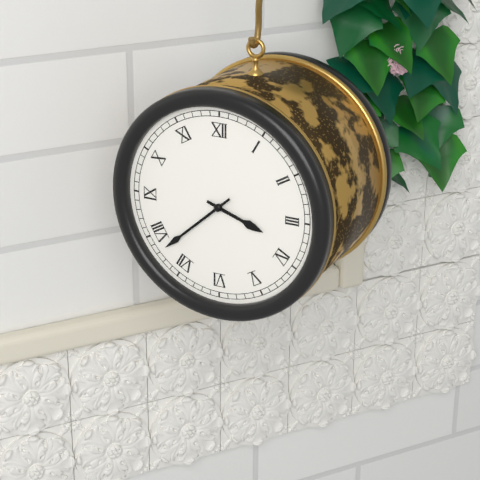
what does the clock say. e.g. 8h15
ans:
3h38
